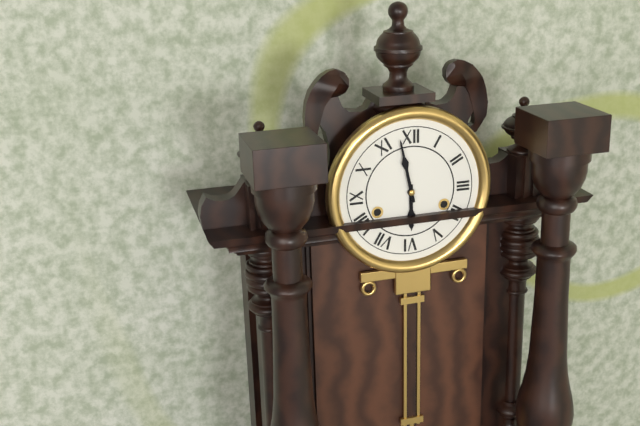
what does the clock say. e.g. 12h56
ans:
5h58
